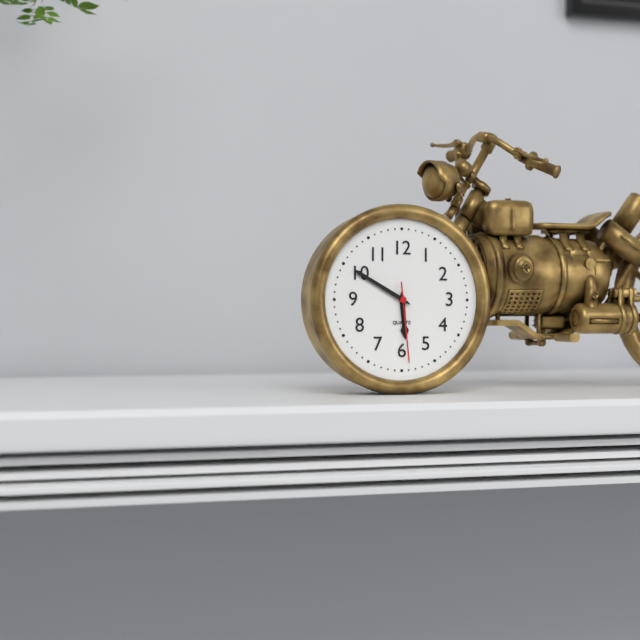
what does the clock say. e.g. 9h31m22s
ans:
5h50m29s
